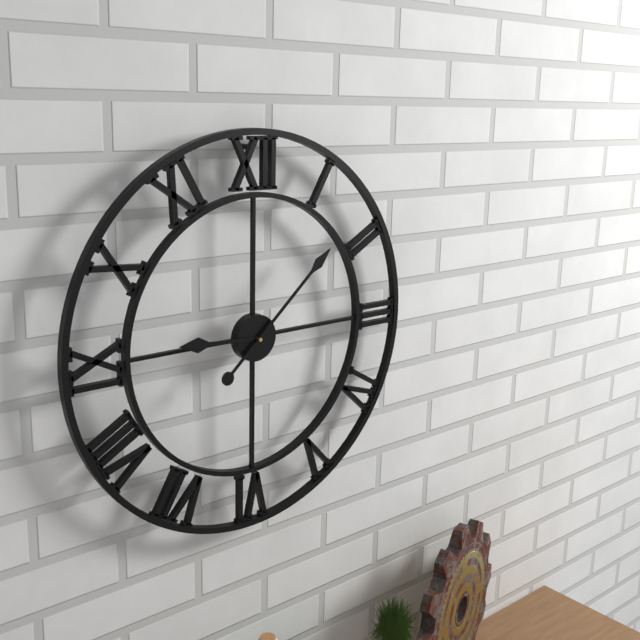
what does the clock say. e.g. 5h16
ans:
9h08
